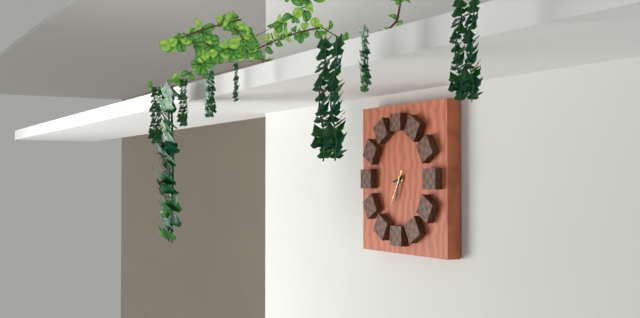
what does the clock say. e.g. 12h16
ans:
8h33
